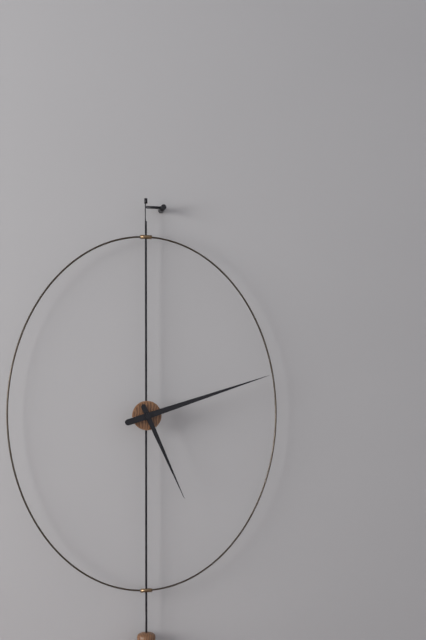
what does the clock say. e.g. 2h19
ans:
5h12
